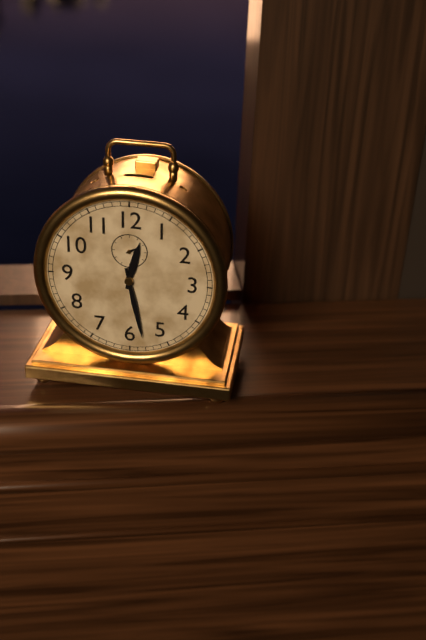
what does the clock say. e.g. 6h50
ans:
12h28
